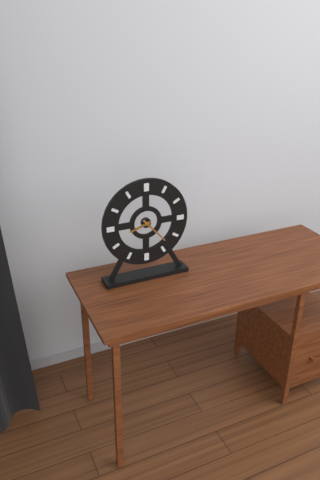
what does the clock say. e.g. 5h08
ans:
8h23
